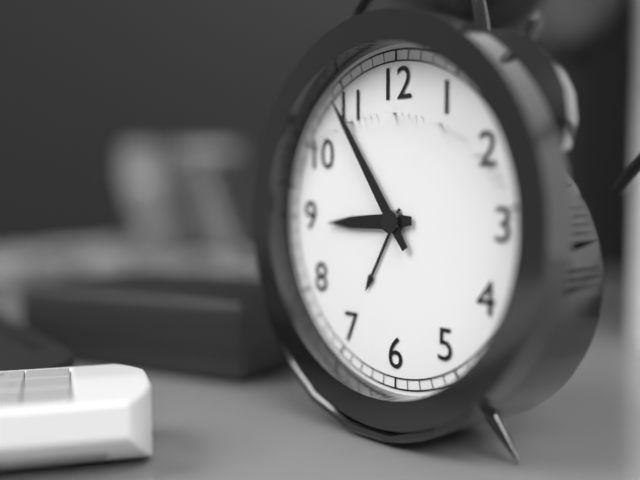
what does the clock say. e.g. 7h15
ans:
8h54
